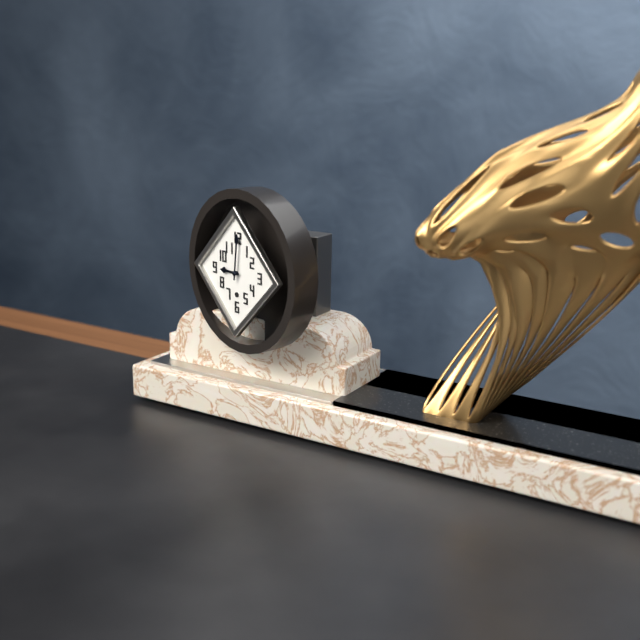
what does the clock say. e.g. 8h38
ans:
9h01
